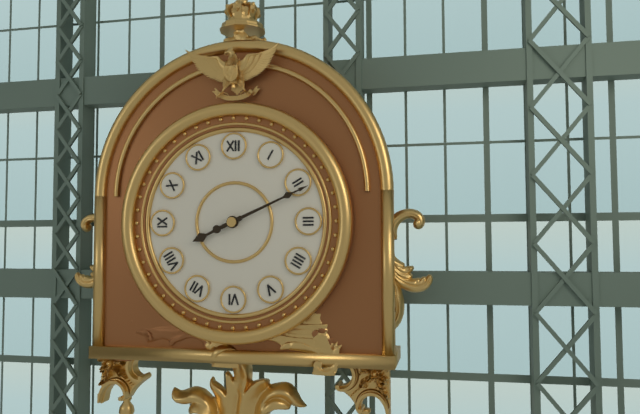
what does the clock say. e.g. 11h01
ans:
8h11
